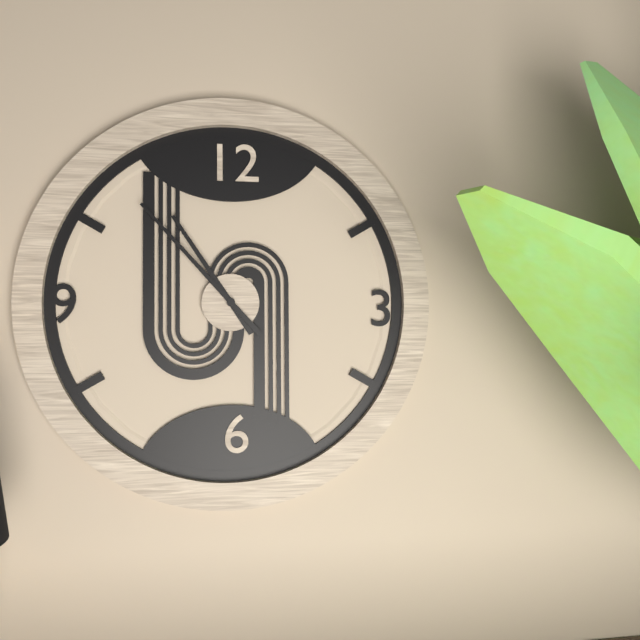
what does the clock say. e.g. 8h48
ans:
10h53
